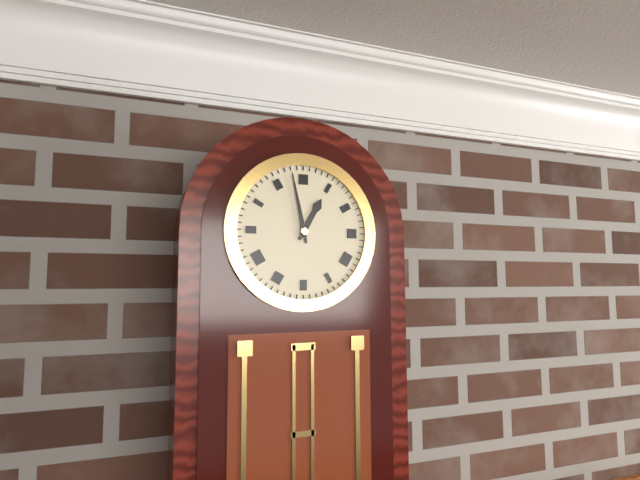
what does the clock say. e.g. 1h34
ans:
12h58
